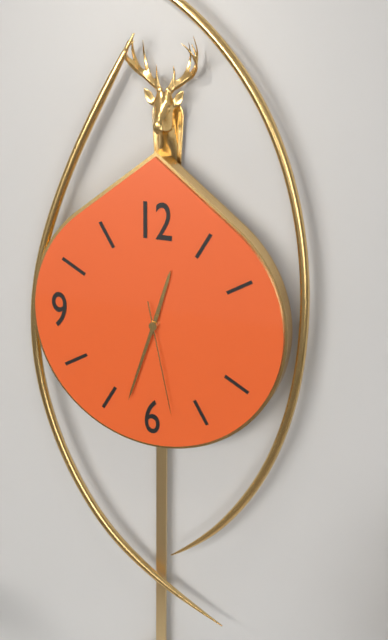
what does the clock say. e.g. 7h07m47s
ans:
12h33m28s
